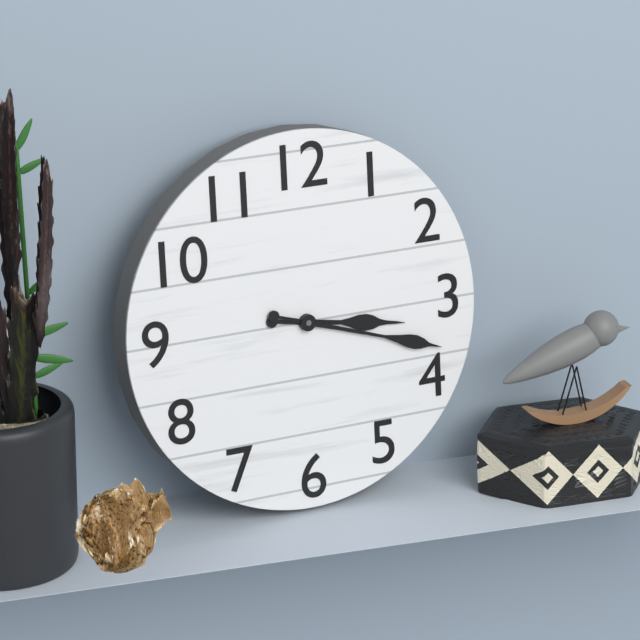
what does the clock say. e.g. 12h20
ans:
3h18
